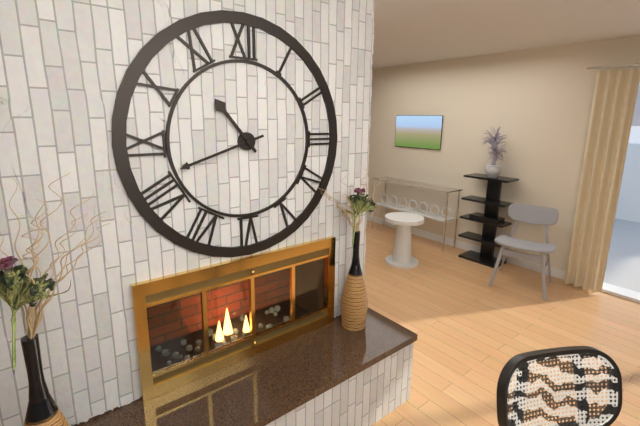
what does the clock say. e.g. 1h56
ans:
10h42
